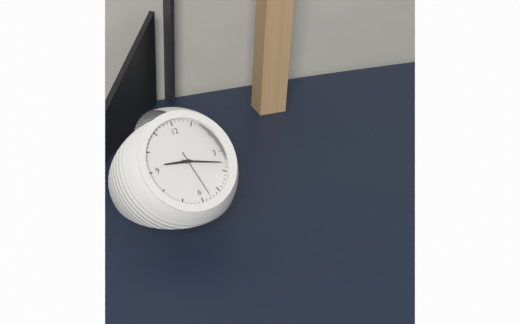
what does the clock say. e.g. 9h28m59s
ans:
9h18m28s
